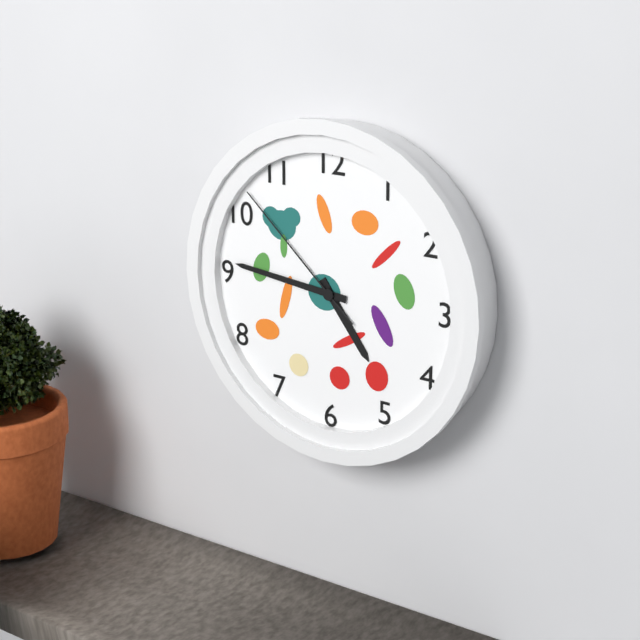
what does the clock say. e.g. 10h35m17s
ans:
4h46m52s
